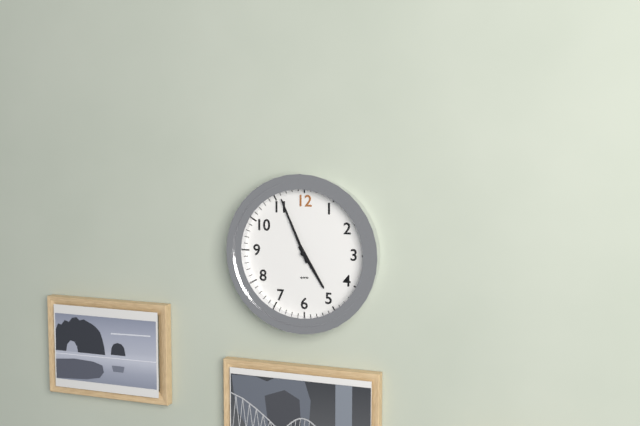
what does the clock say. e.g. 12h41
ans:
4h56
